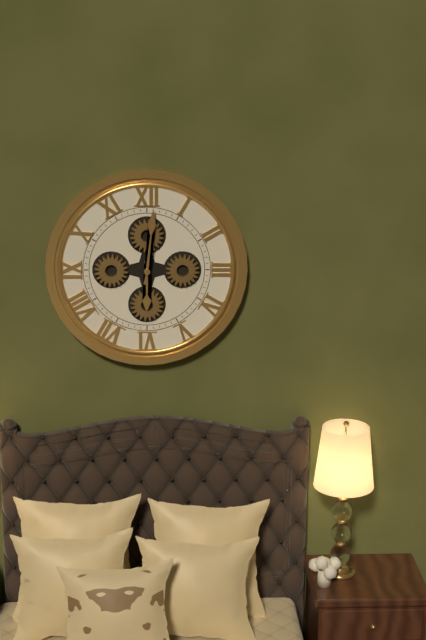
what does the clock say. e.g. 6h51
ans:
6h01
